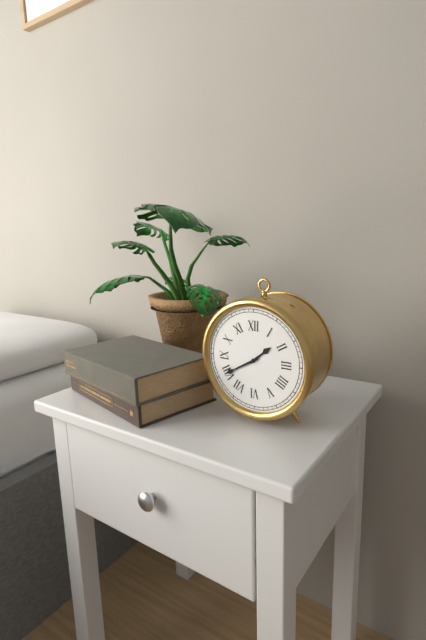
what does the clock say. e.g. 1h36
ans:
1h40
